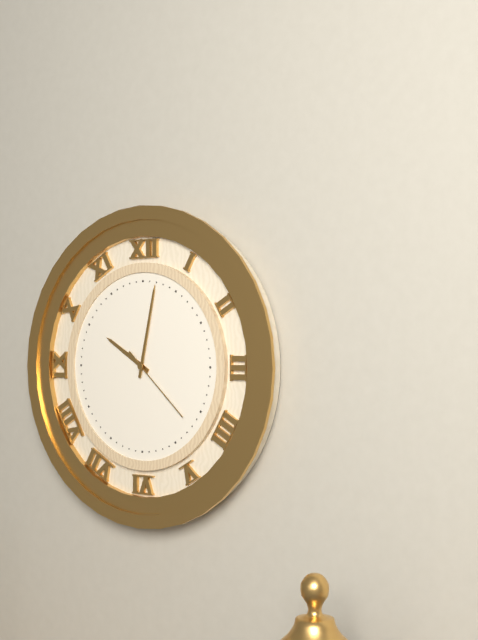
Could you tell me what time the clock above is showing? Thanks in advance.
10:02:22
